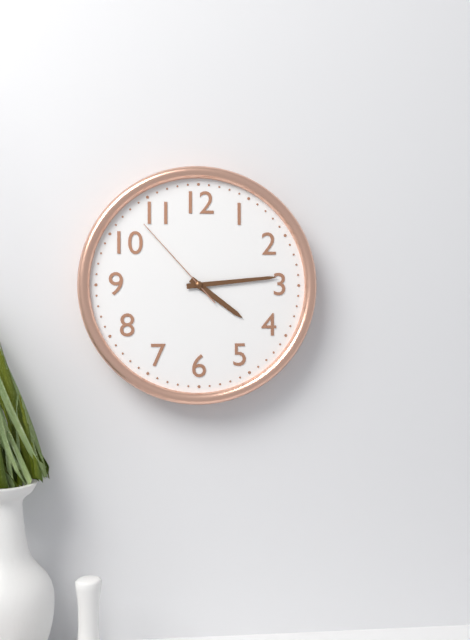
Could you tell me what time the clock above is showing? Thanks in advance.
4:14:53
